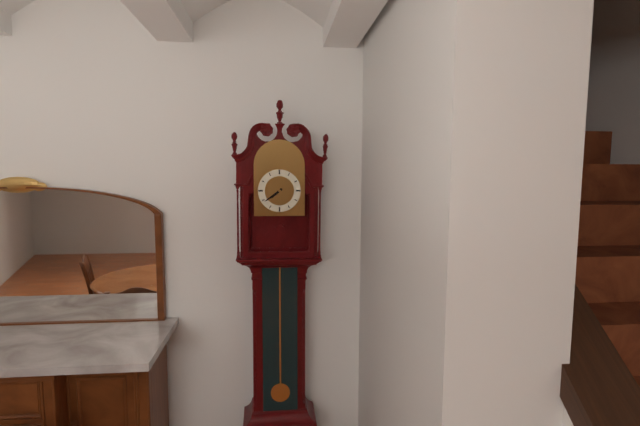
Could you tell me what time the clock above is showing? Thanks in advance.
7:39
